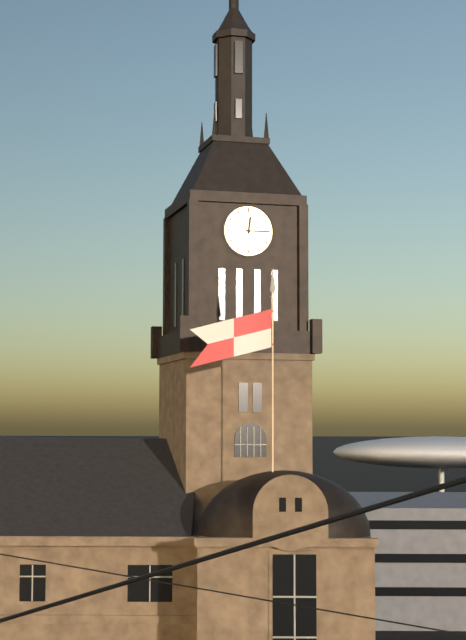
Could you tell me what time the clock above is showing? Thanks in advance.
12:15
